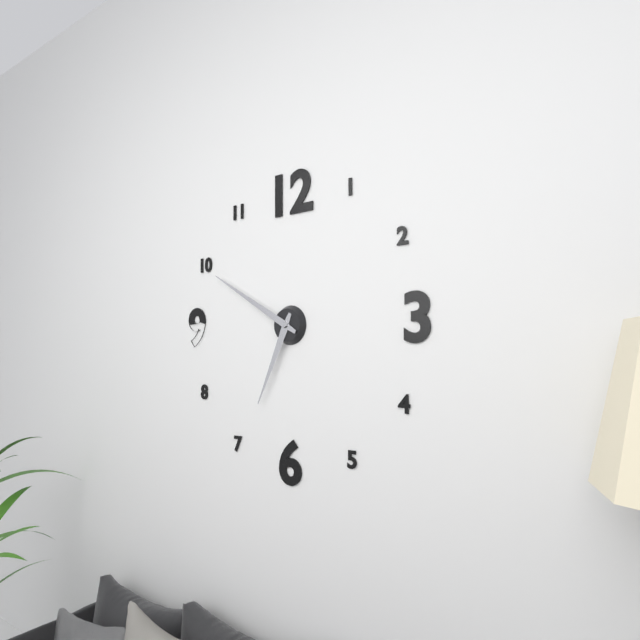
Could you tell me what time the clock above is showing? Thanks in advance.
6:50
